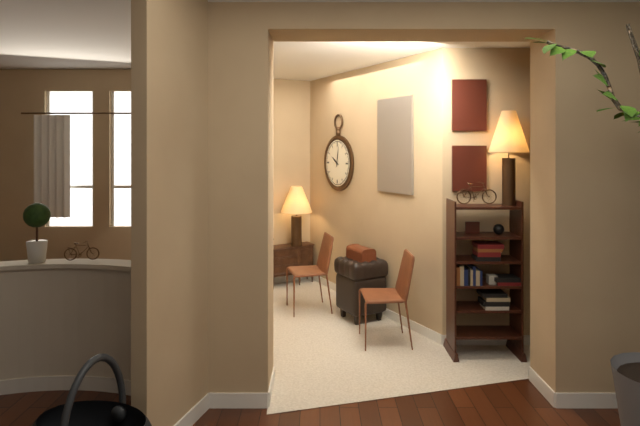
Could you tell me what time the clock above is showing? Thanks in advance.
10:02
